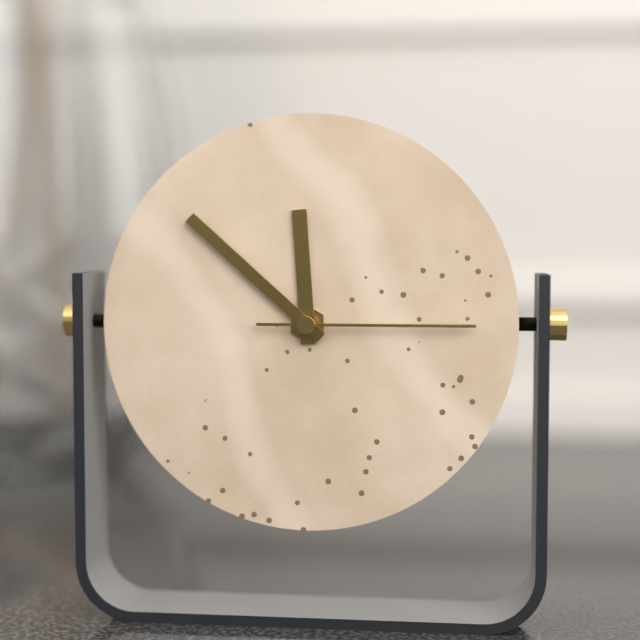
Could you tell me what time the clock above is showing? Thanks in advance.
11:52:15
